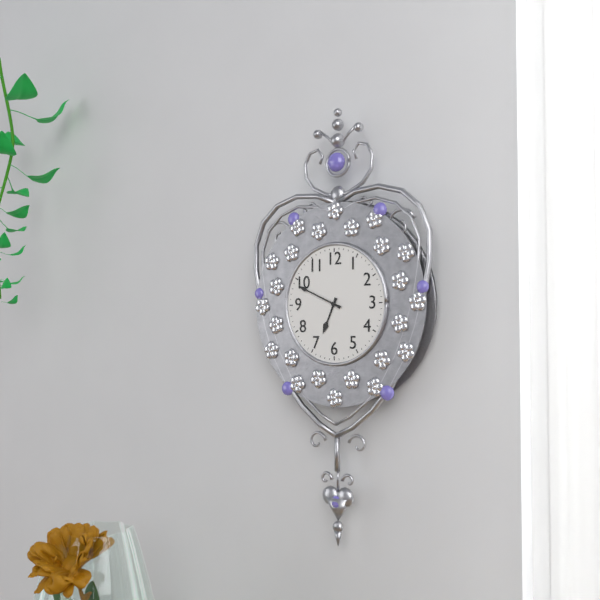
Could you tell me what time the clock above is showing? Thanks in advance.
6:49
